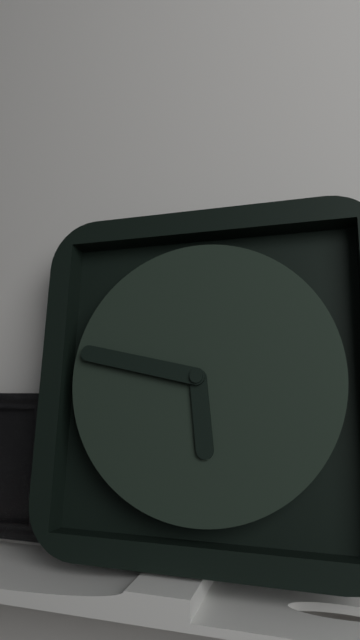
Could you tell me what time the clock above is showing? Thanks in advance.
5:47
